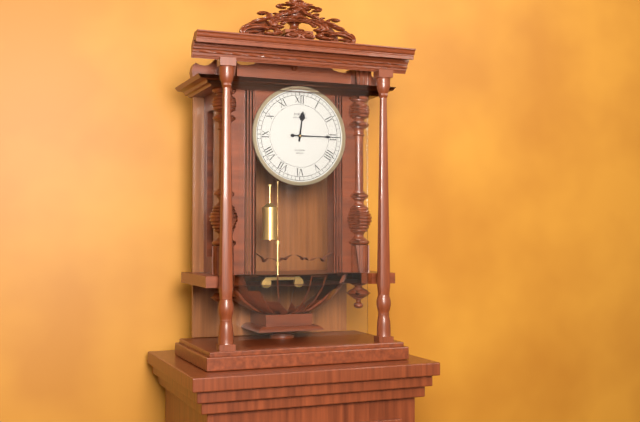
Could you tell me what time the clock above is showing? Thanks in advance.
12:15
